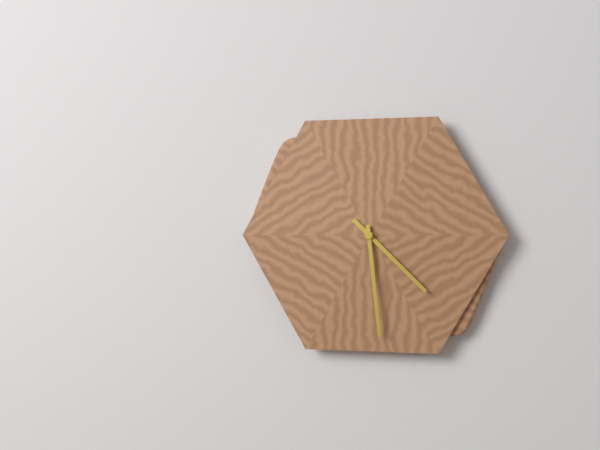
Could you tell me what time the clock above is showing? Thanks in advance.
4:29
